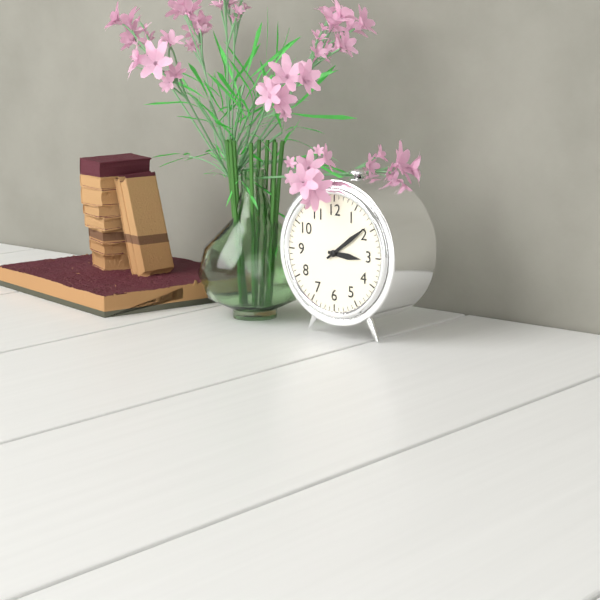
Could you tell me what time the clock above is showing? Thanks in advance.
3:09
